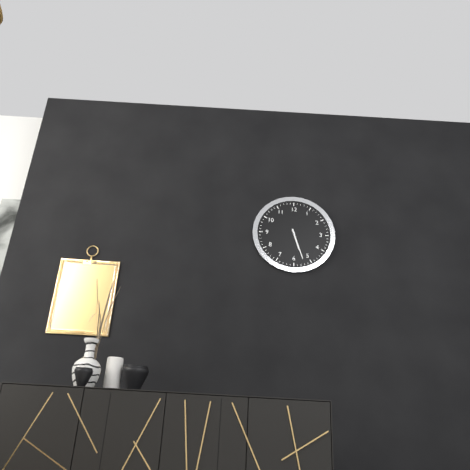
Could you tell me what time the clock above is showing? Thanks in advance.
5:27
